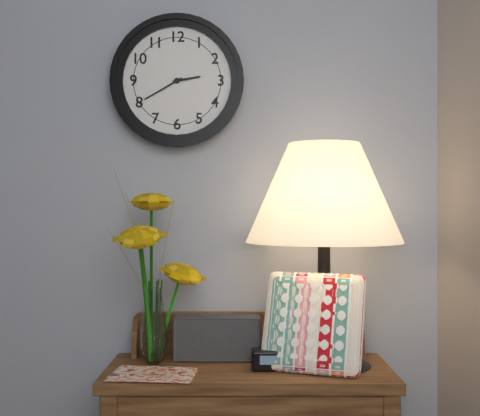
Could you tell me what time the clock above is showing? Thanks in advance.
2:40
